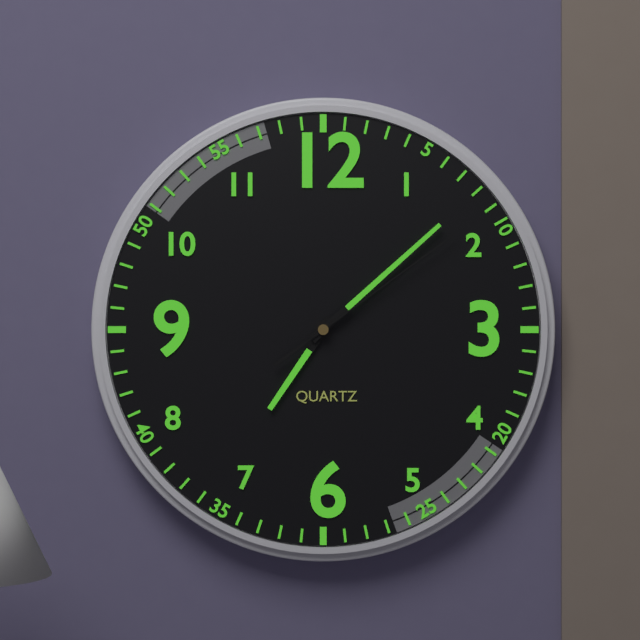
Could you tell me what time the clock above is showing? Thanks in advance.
7:08:09
